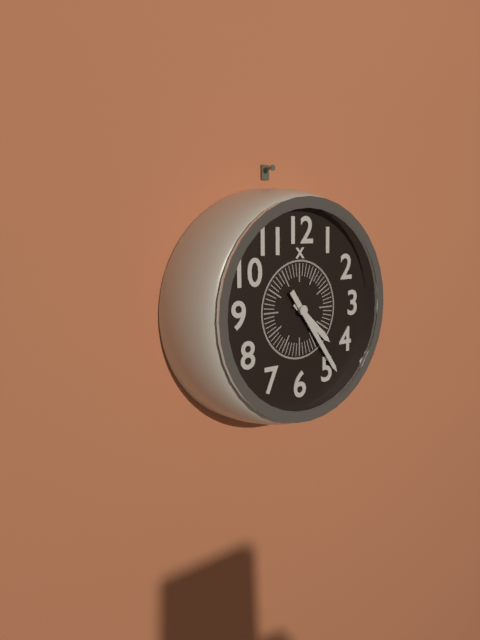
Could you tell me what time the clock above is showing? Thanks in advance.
4:24
